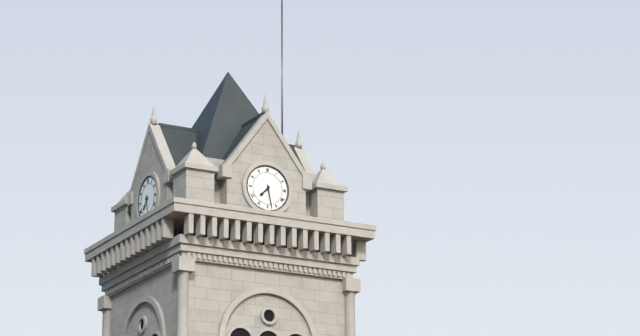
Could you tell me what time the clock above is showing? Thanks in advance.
7:28
